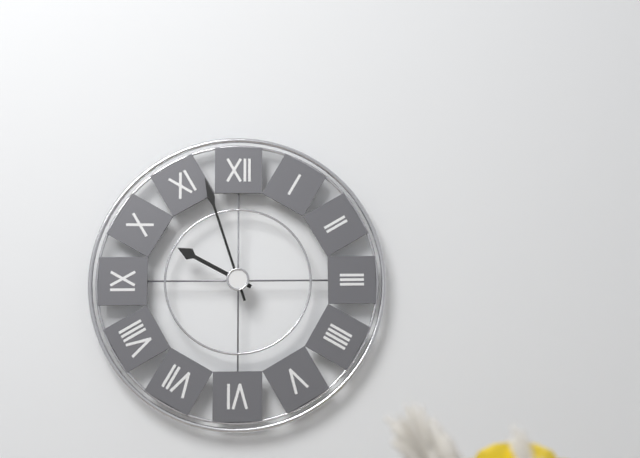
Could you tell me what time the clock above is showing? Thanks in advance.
9:57
